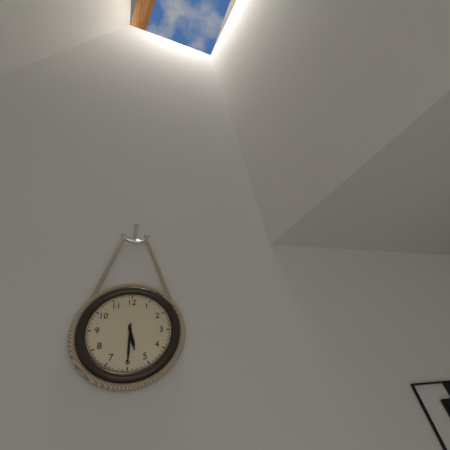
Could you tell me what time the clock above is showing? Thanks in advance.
5:30
